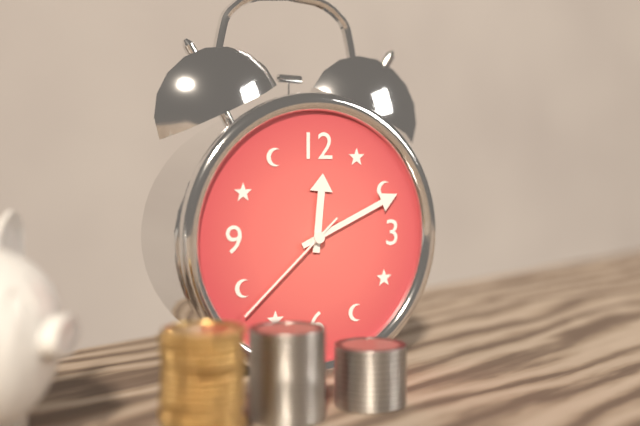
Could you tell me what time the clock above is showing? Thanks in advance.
12:11:38
